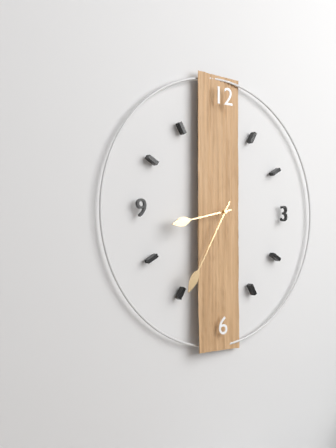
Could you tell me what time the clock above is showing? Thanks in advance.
8:35
